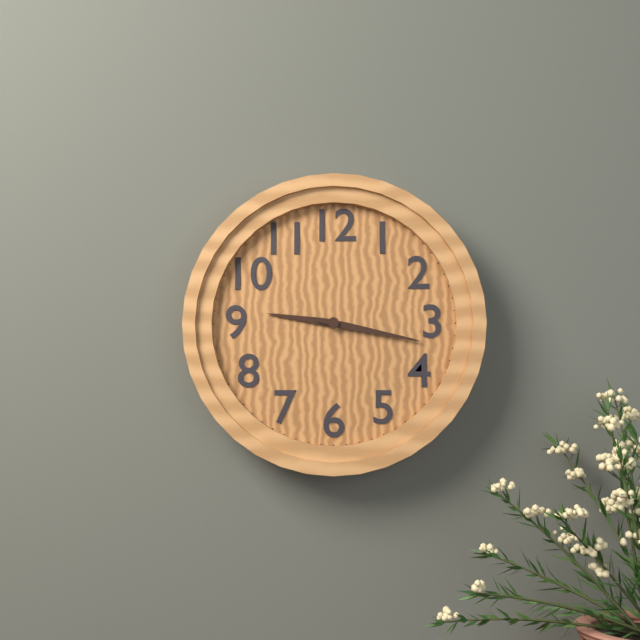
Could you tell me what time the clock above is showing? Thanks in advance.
9:17
